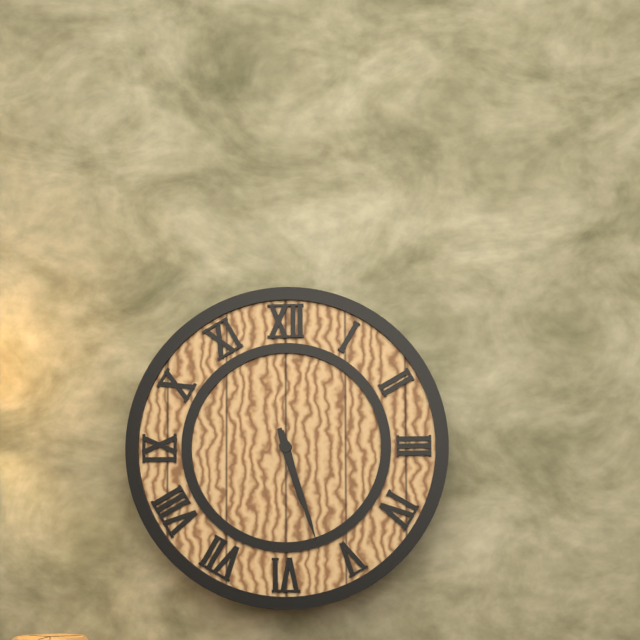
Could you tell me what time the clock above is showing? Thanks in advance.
5:27
